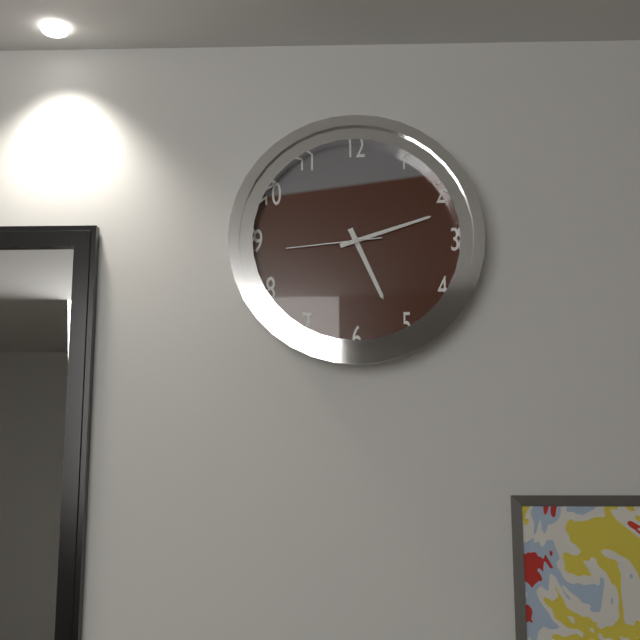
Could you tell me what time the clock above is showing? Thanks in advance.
5:12:44
